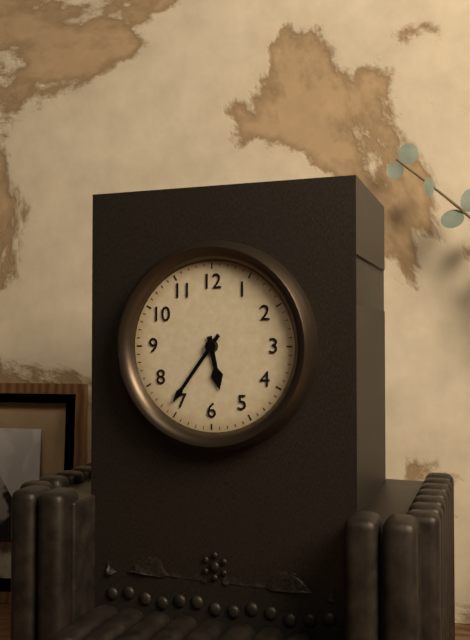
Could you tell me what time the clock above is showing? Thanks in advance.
5:36
